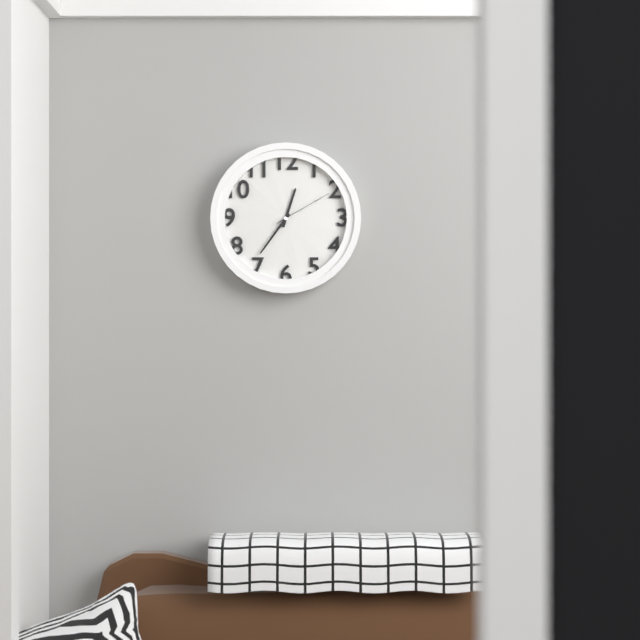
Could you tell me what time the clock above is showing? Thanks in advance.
12:36:10
